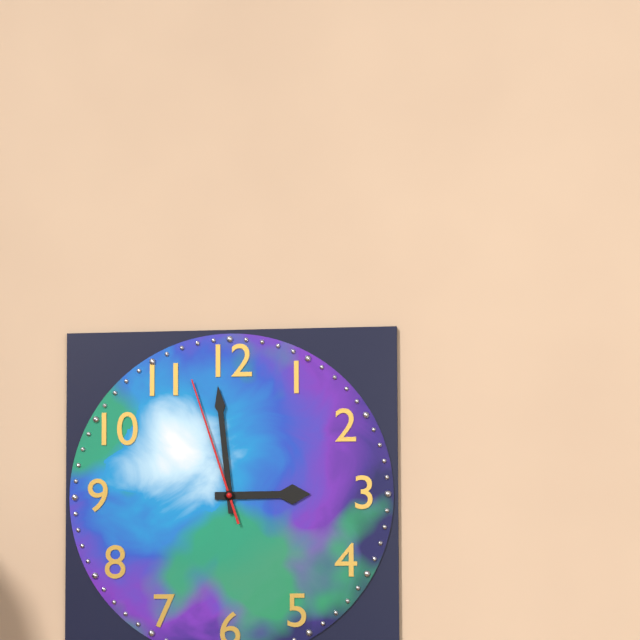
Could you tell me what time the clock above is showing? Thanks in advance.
2:59:57
